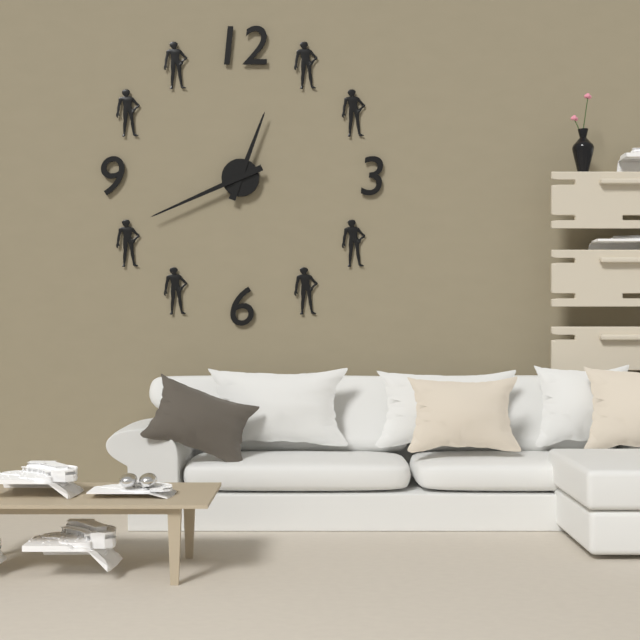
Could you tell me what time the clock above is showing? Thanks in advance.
12:41
